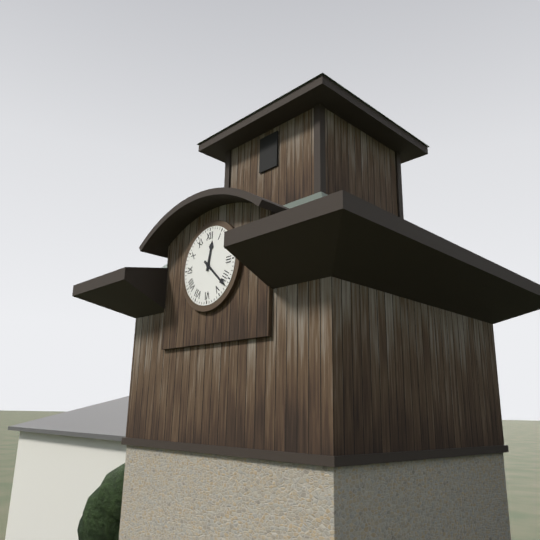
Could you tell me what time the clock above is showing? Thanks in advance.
12:22
